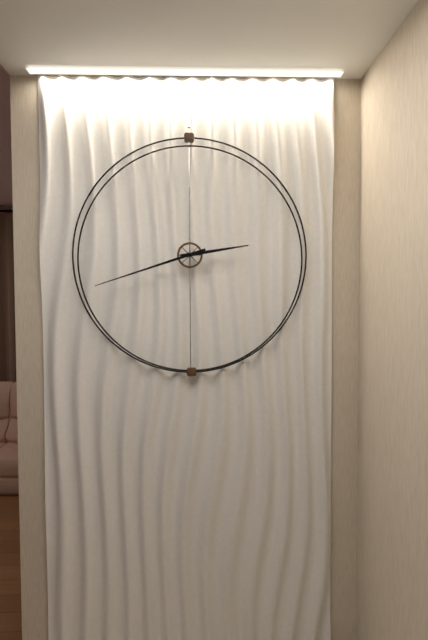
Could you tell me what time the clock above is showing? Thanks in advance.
2:42
